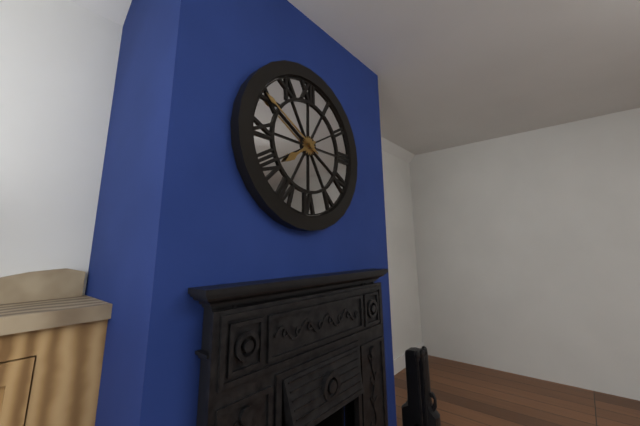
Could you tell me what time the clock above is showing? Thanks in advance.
7:50
